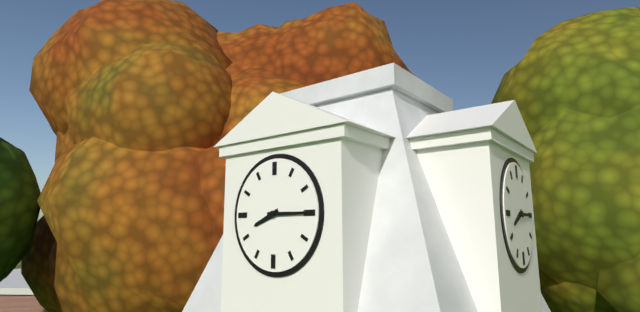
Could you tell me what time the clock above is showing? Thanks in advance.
8:15
